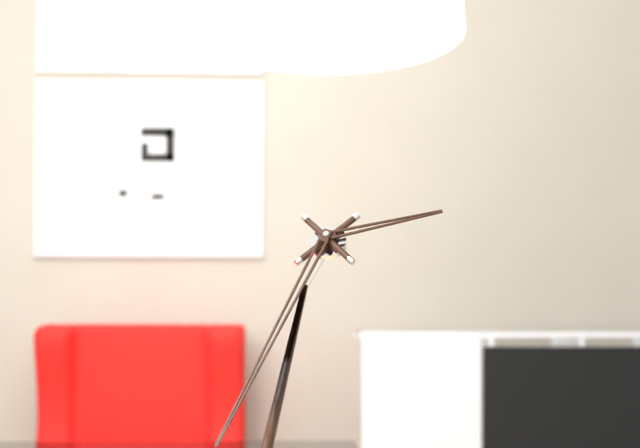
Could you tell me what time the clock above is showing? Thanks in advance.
2:33
